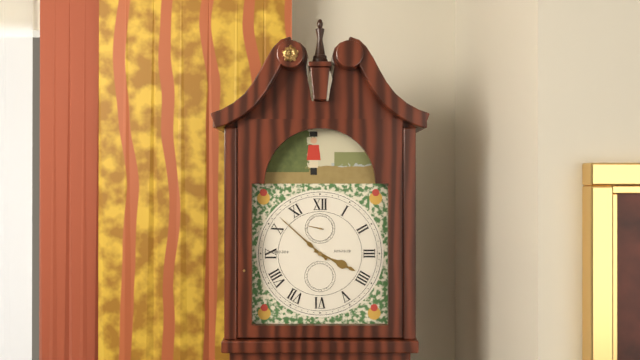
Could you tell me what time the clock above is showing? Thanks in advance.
3:52
